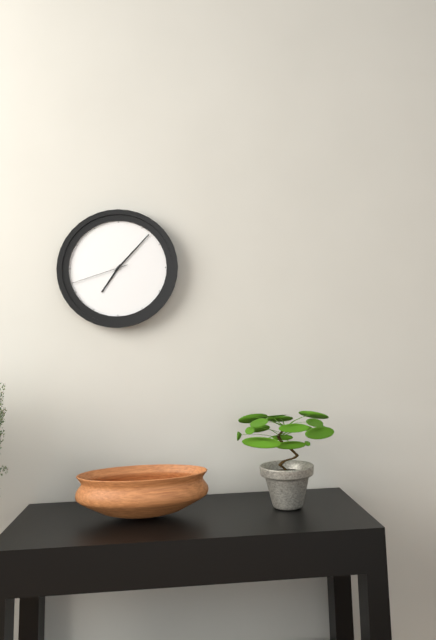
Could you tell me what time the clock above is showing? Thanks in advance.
7:07:42
